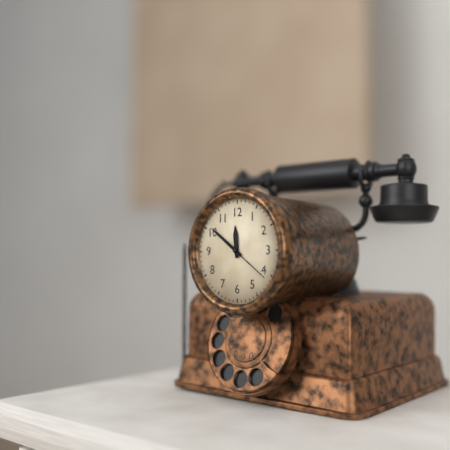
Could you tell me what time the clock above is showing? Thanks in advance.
11:51
